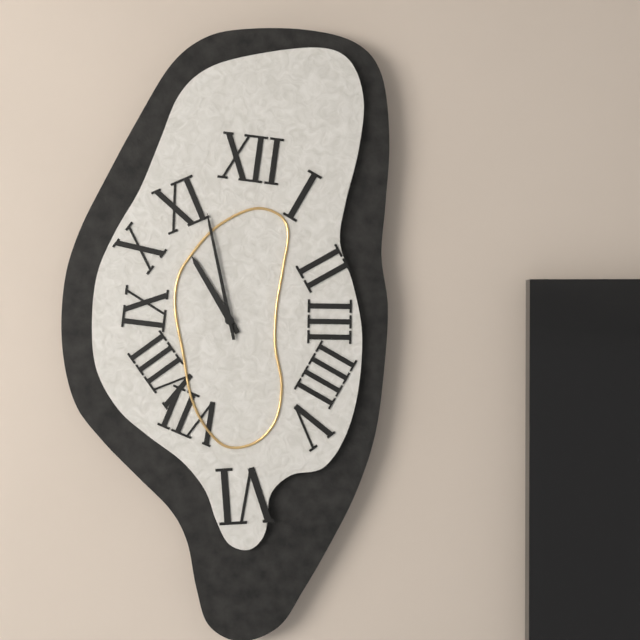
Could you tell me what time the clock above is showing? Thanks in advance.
10:58
